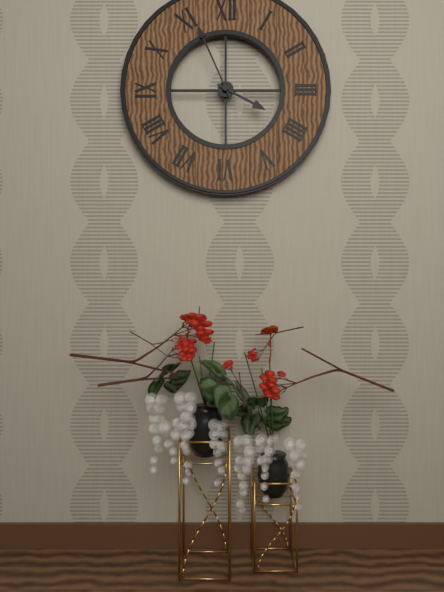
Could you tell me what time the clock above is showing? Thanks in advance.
3:56
